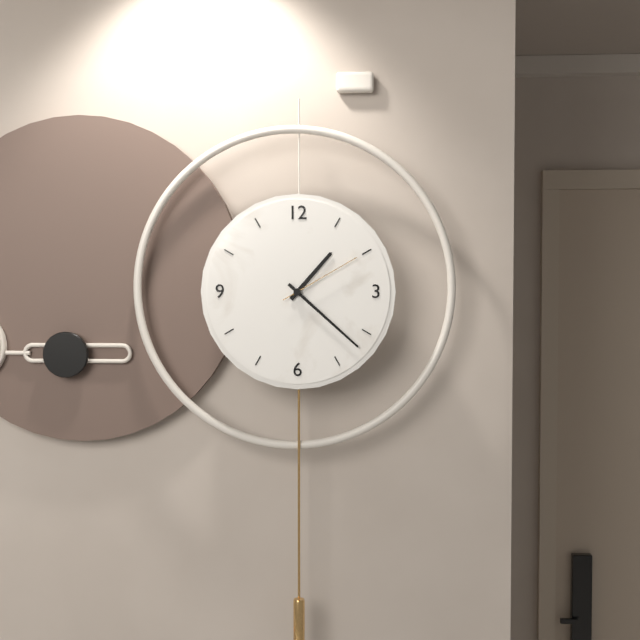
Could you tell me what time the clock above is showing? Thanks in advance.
1:22:10
